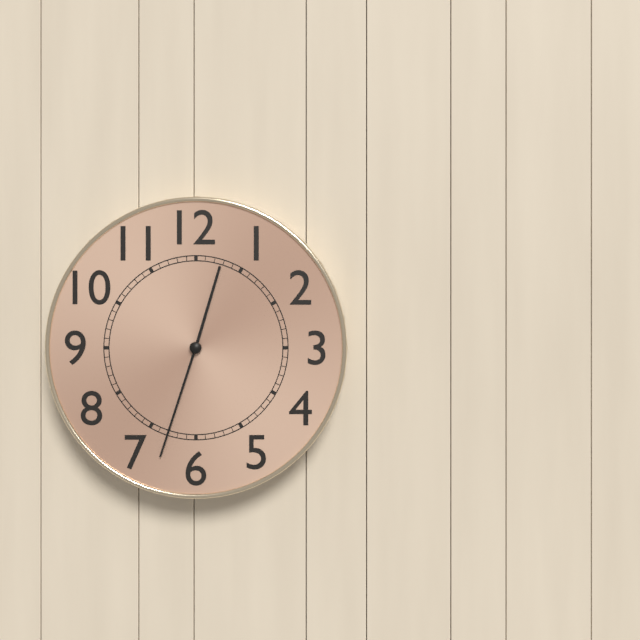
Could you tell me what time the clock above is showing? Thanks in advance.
12:33
